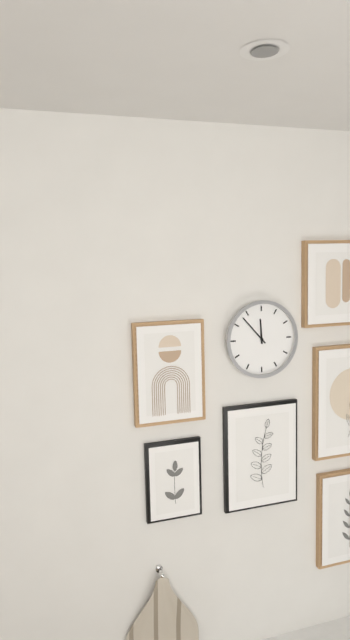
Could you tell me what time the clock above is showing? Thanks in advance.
11:53
